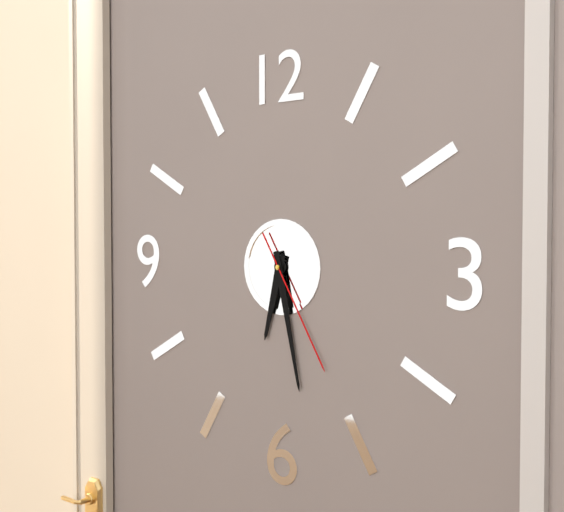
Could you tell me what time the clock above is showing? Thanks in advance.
6:28:25
